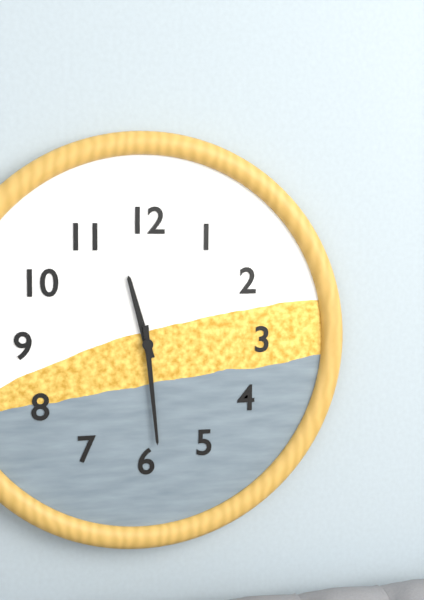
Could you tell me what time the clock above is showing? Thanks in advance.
11:29
